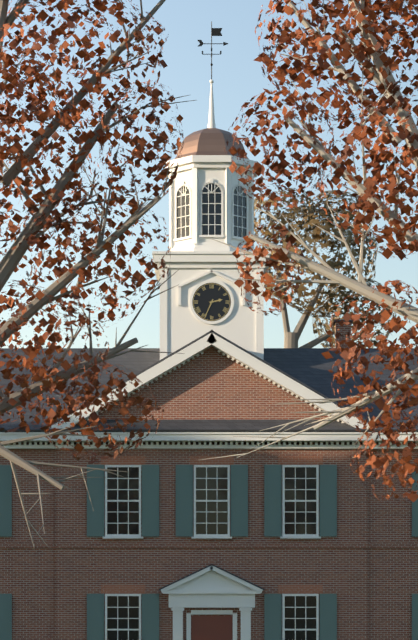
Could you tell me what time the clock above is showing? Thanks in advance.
2:34
